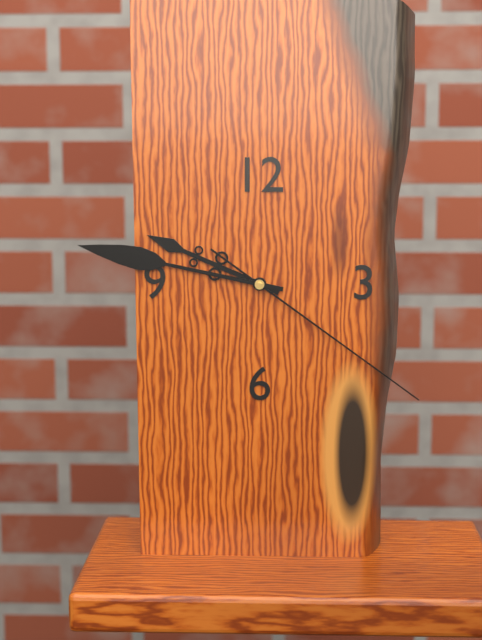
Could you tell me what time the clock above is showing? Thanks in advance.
9:47:21
